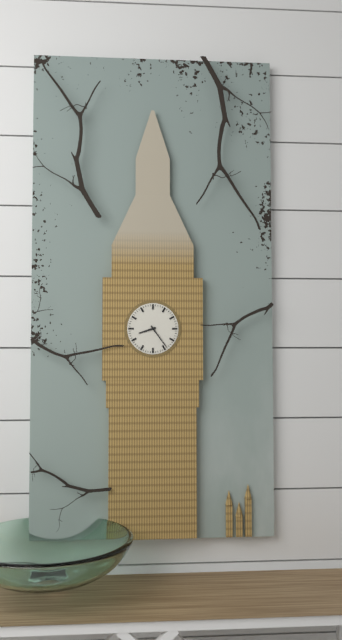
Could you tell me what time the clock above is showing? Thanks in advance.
8:24
